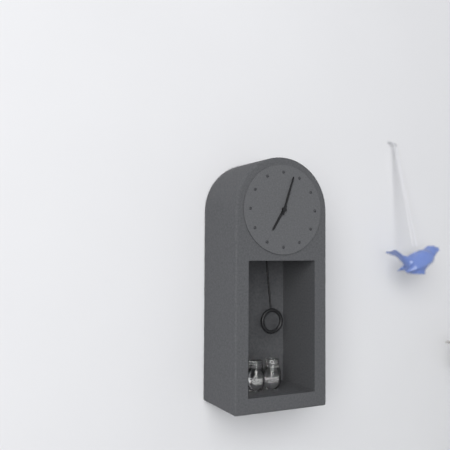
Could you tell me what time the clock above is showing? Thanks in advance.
7:03
